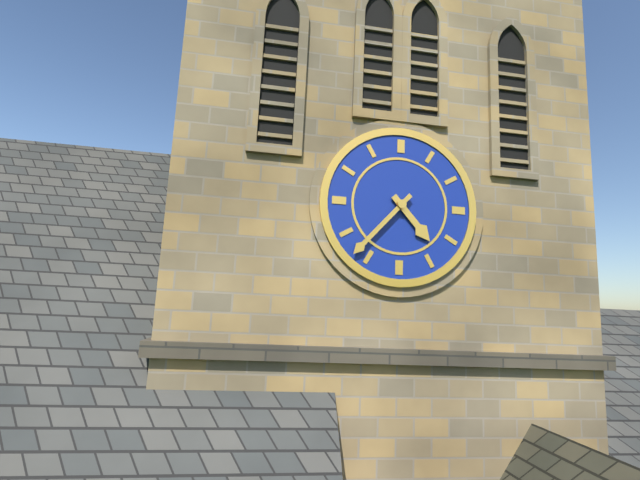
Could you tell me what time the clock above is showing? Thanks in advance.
4:37
